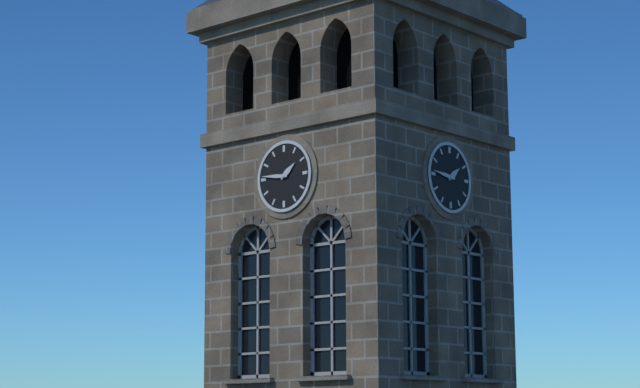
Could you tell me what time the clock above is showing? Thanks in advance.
1:46
